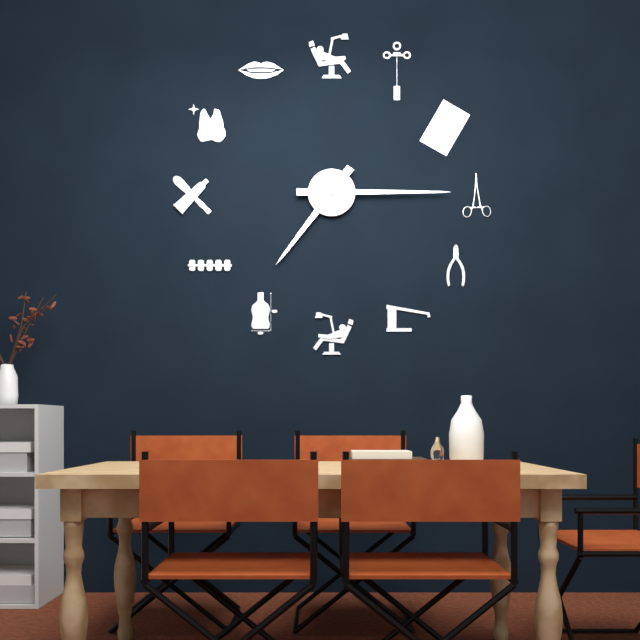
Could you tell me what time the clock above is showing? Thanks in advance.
7:15
